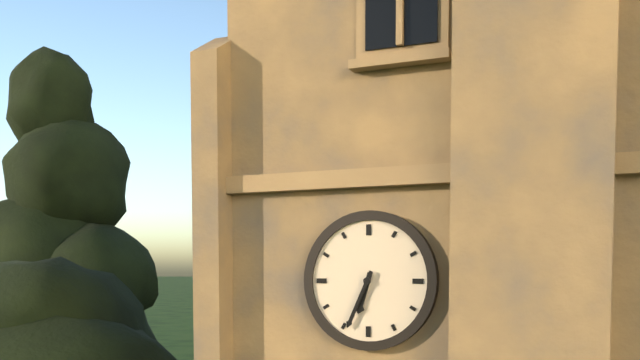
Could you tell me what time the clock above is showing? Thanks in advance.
6:34
